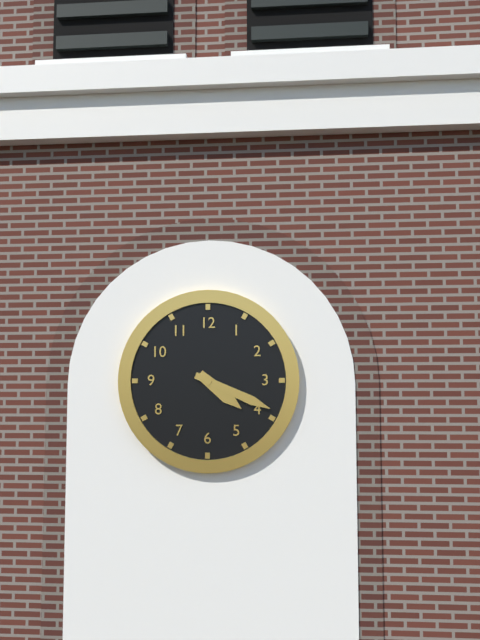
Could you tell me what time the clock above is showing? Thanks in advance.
4:19
